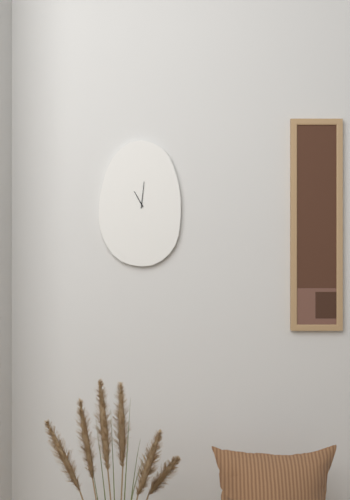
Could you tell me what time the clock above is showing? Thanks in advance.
11:01
